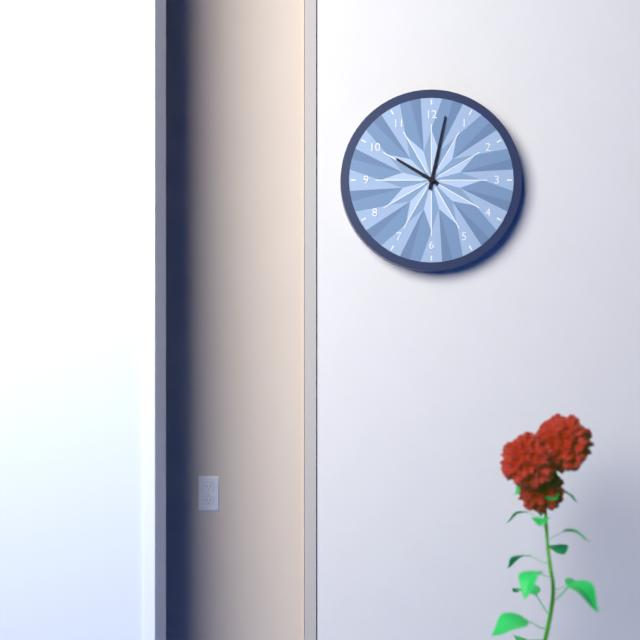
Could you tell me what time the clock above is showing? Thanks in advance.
10:02
